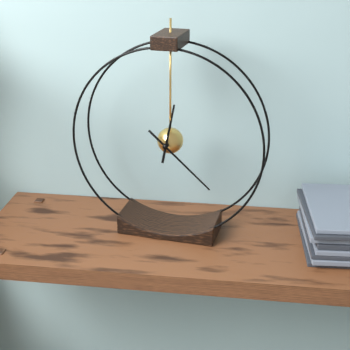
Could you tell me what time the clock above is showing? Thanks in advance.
12:22
